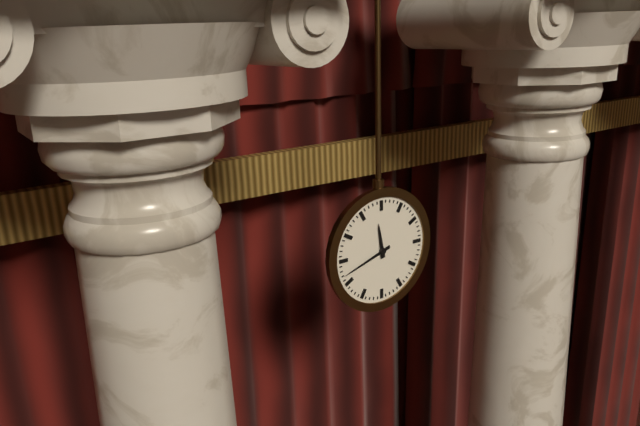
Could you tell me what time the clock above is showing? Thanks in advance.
11:42
